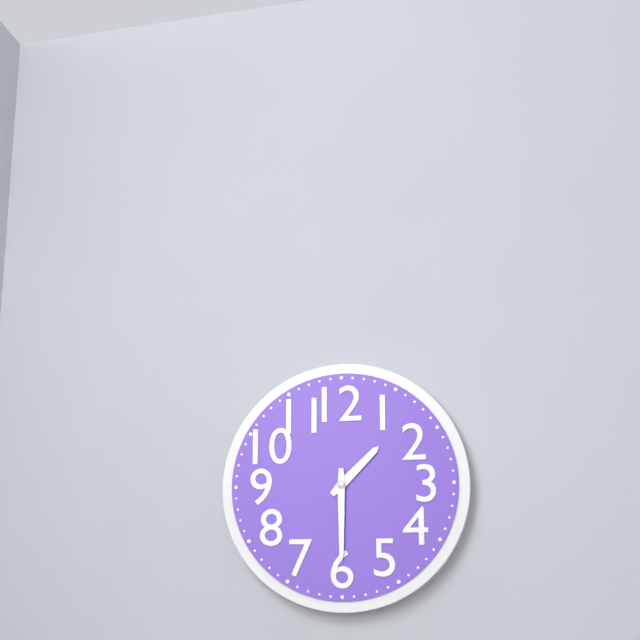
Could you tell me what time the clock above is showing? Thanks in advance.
1:30
